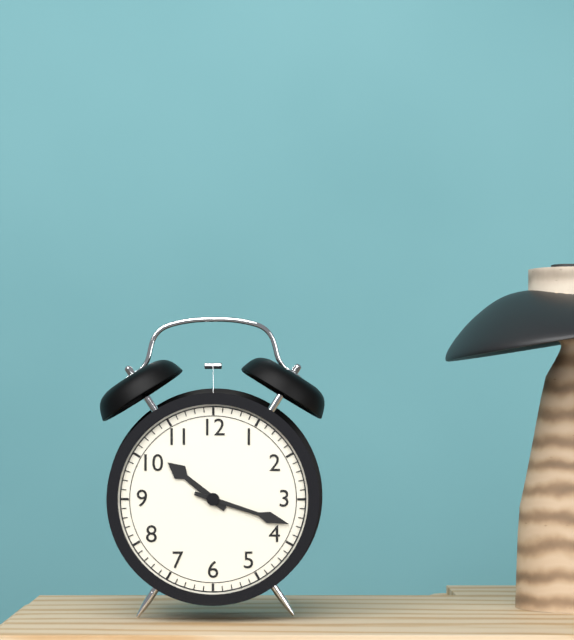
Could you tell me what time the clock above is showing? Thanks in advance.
10:18
